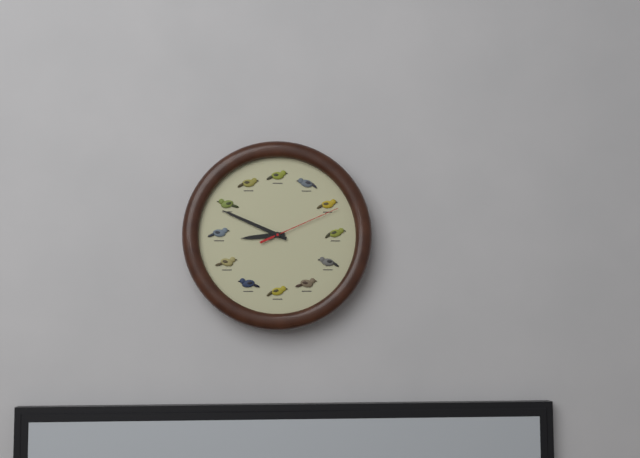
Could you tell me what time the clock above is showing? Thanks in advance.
8:49:11
